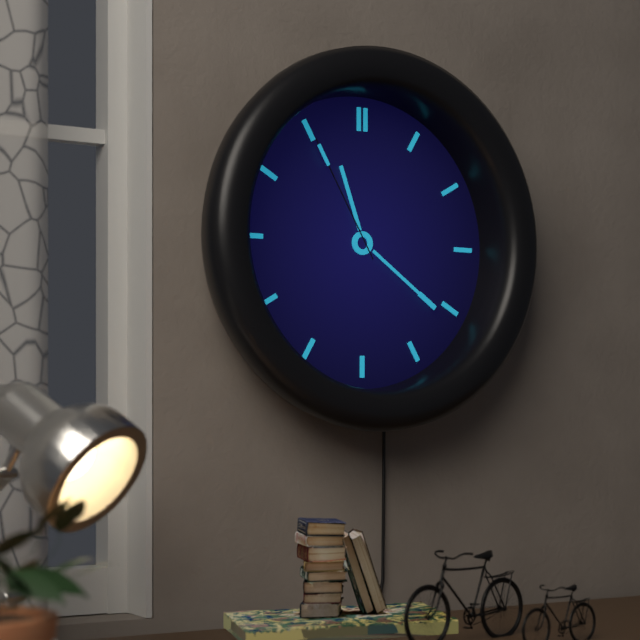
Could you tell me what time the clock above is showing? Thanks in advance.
11:21:55
